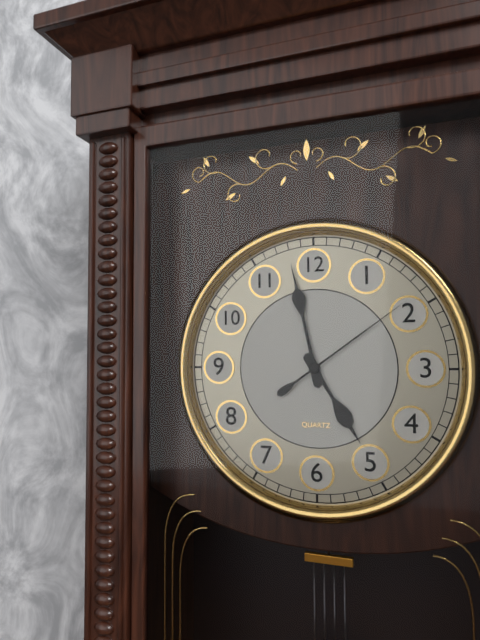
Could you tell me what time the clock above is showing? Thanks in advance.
4:58:09
